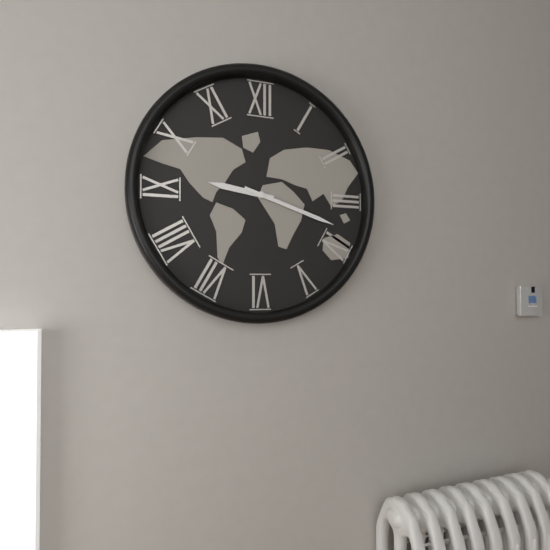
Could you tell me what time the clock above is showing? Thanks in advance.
9:18
